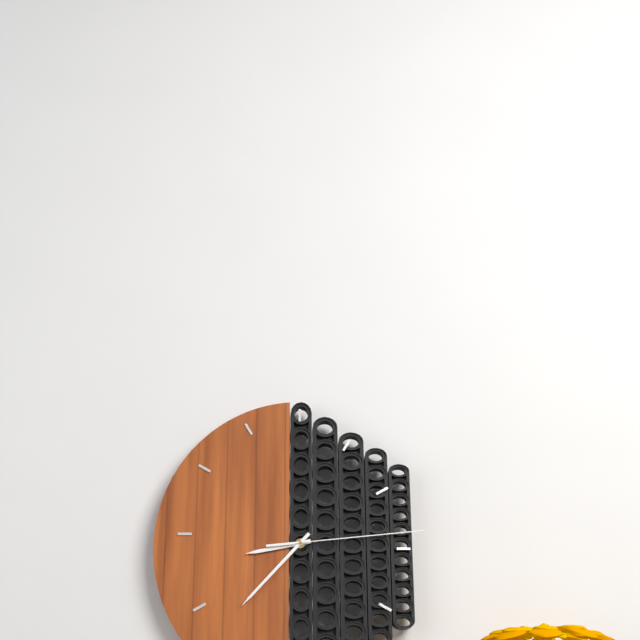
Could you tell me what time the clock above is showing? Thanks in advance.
8:37:14
